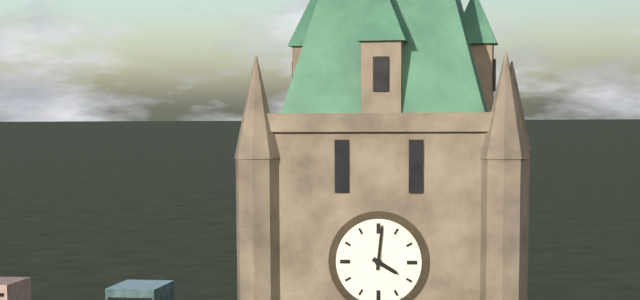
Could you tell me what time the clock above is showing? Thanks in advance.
4:01
